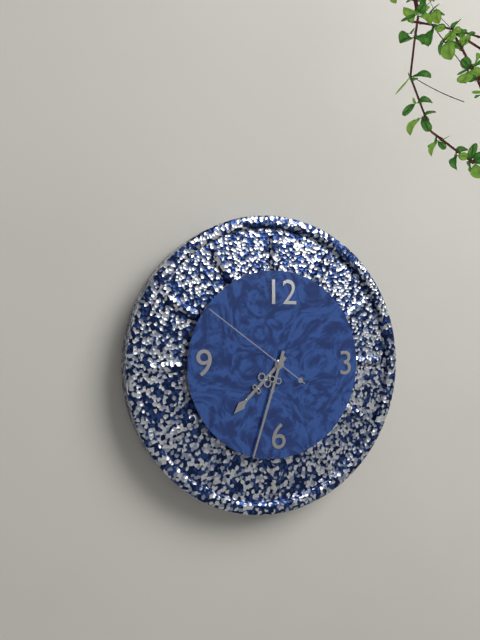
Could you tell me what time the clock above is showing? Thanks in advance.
7:33:51
